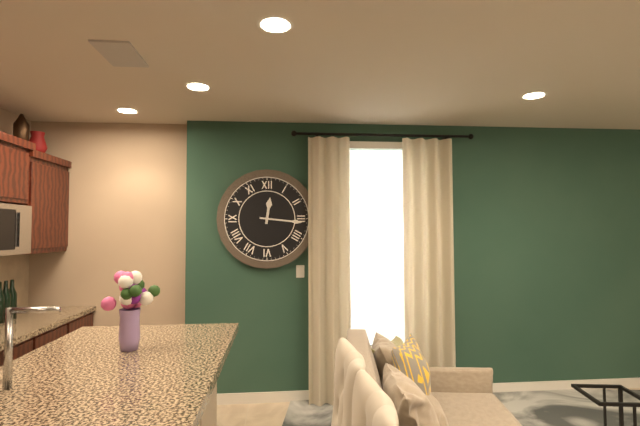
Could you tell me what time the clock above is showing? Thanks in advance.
12:16
